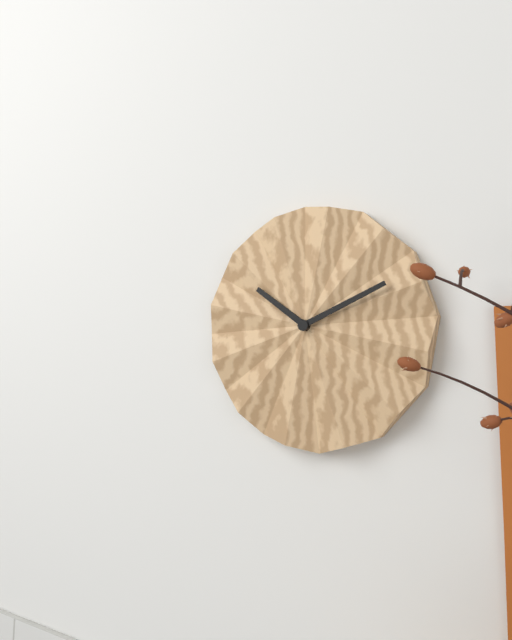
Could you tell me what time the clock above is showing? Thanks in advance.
10:11
